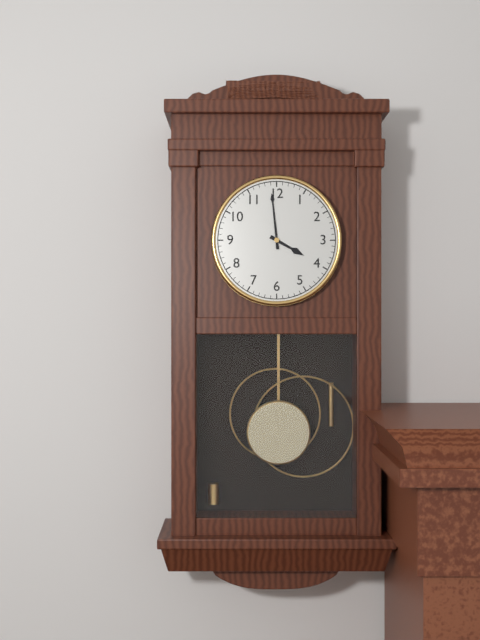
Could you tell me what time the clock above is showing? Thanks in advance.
3:59
